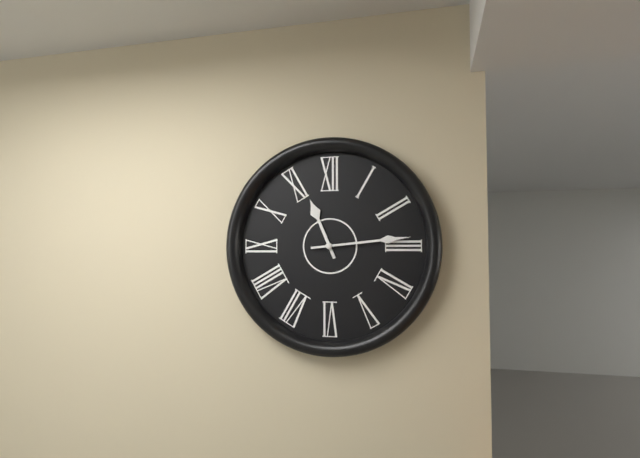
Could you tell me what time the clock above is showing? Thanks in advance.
11:14
